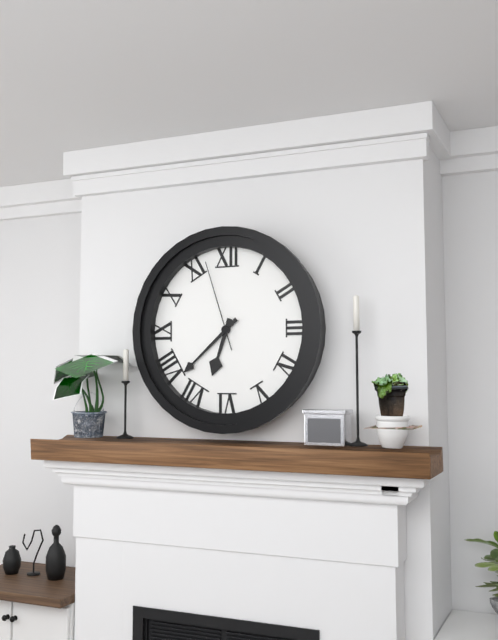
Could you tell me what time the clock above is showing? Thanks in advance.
6:38:57
